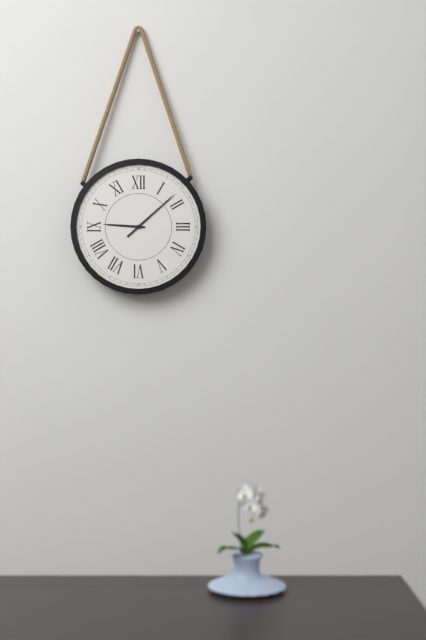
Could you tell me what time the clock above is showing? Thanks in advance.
9:08
